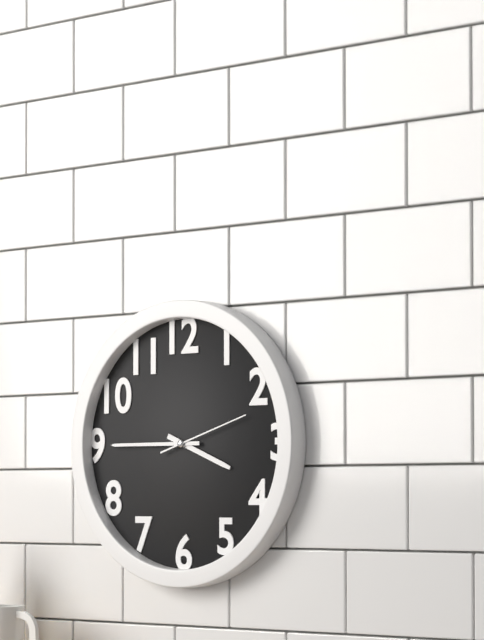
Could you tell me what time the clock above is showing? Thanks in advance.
3:45:12
